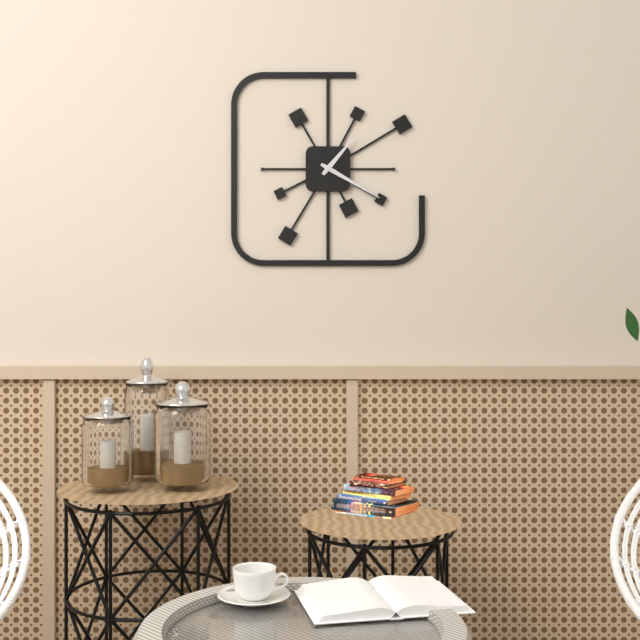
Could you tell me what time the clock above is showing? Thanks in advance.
1:20
